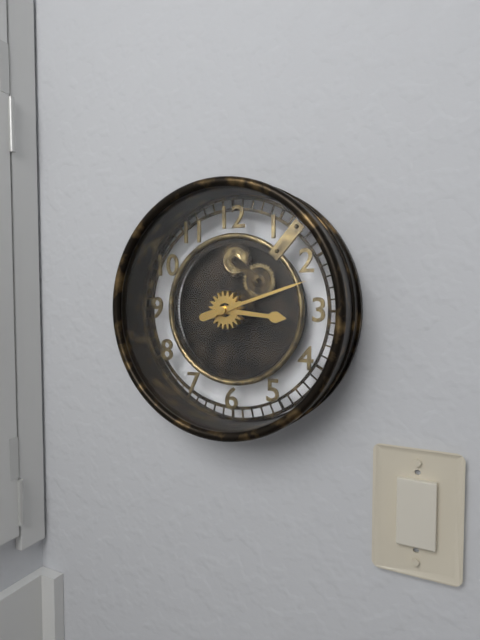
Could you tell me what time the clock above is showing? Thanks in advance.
3:12
